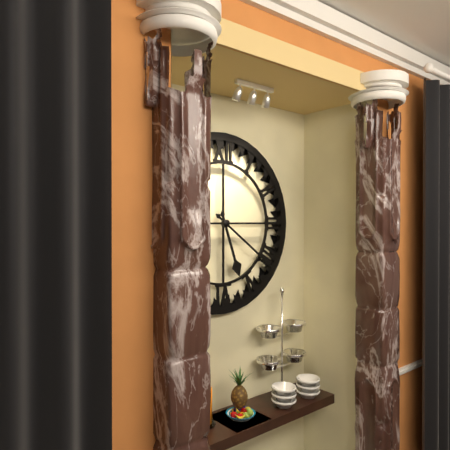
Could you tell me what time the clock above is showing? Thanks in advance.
5:21
